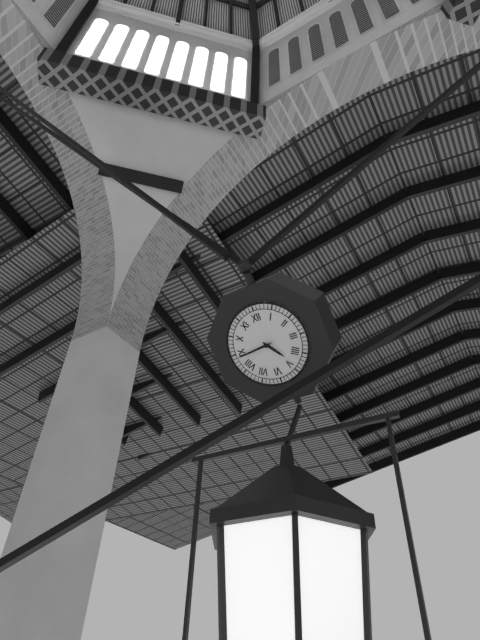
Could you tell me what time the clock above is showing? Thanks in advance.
4:44
